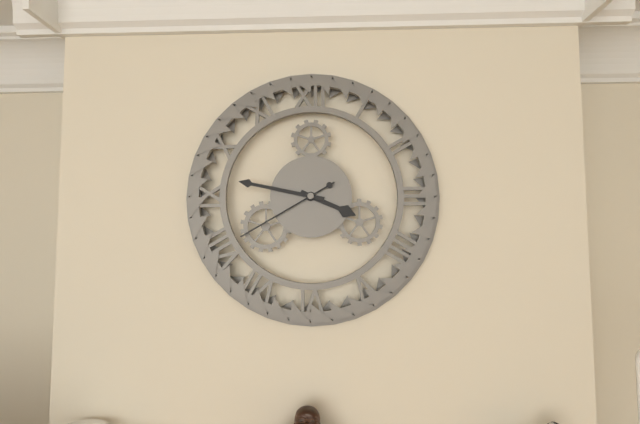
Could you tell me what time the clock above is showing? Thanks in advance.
3:47:40
